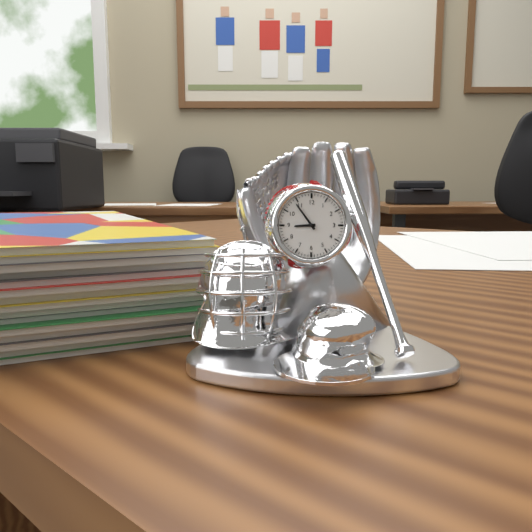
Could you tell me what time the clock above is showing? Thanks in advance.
8:54
